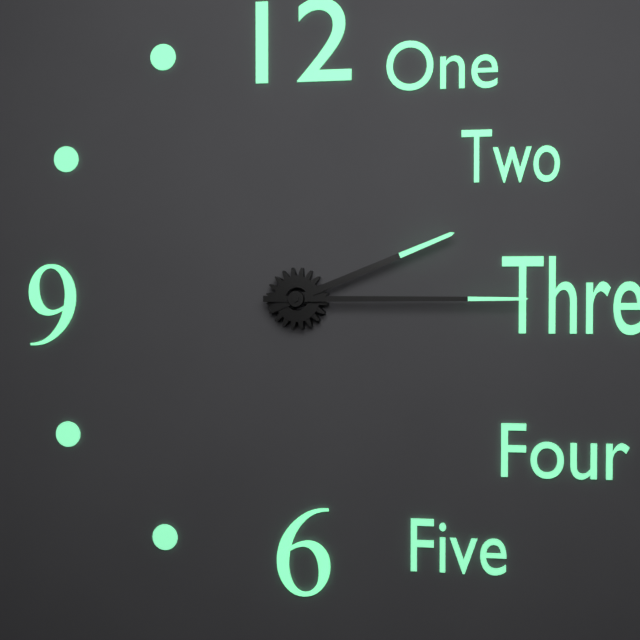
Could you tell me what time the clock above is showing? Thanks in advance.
2:15
